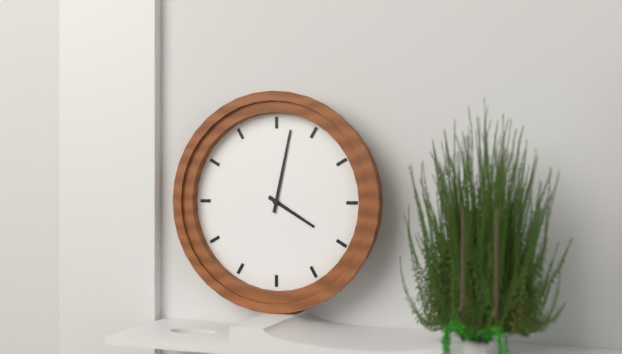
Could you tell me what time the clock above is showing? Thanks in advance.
4:02
